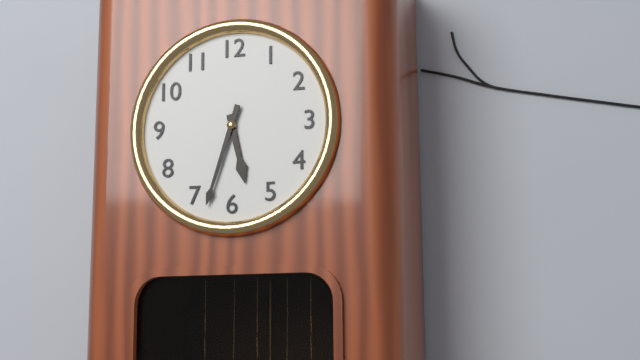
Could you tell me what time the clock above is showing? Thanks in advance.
5:33
